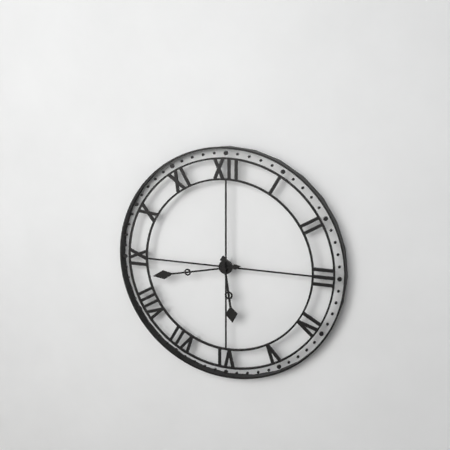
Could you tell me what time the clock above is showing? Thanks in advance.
5:43
